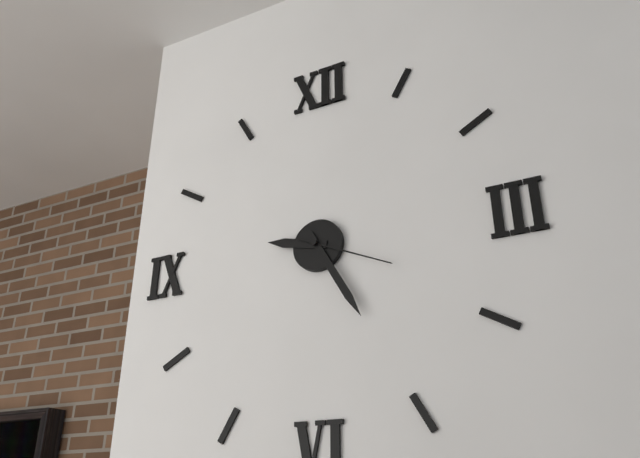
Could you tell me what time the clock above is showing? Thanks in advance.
9:25:19
